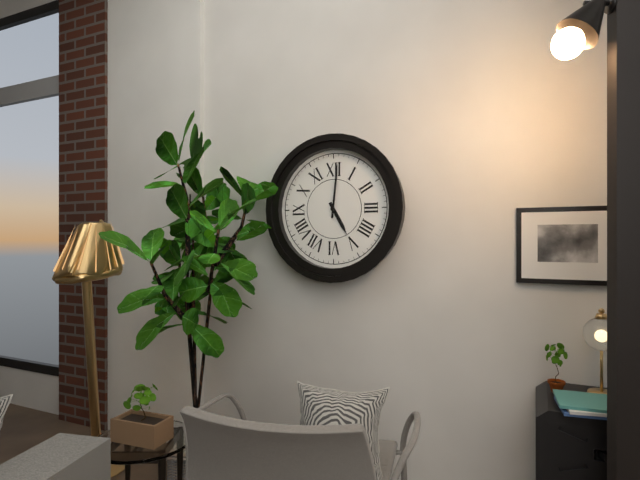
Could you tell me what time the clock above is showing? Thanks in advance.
5:01
